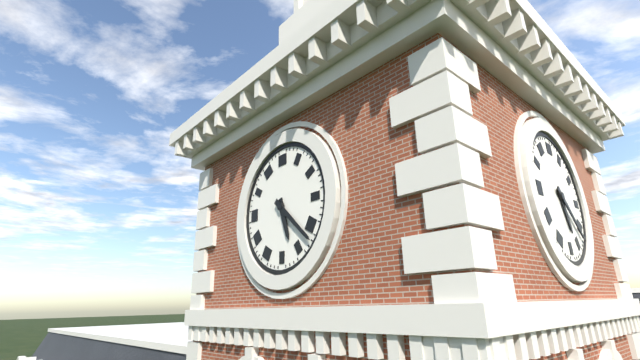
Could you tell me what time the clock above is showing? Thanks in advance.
5:22
